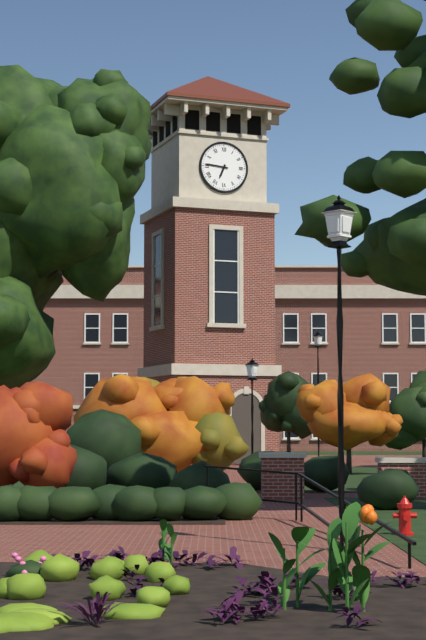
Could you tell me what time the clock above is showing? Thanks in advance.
6:46
